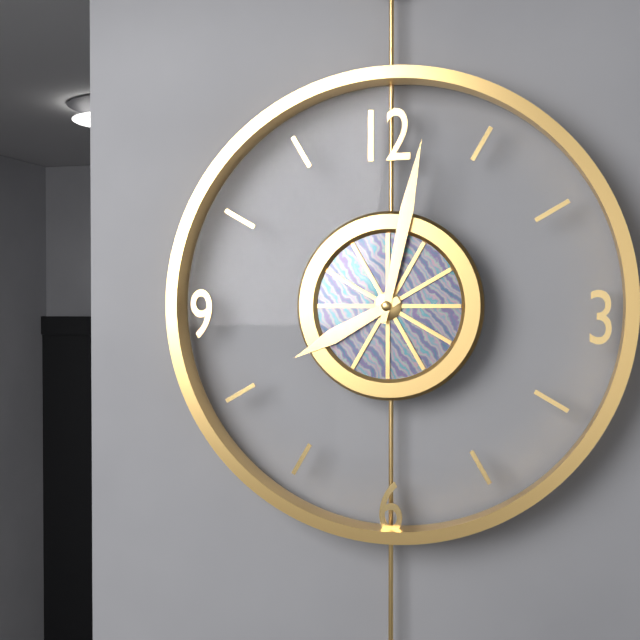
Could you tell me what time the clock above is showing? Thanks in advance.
8:02
